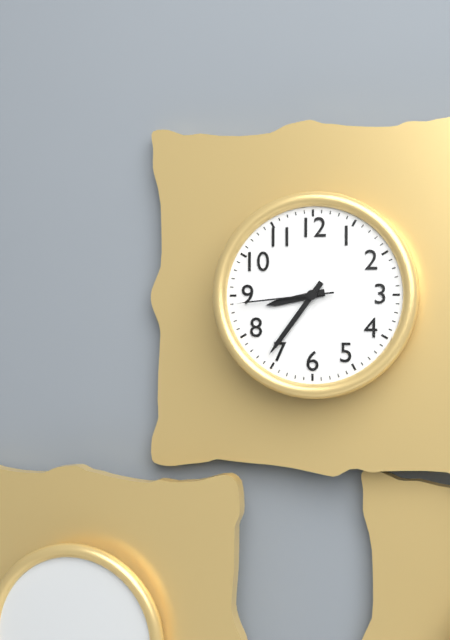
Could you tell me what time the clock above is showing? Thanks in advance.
8:36:44
